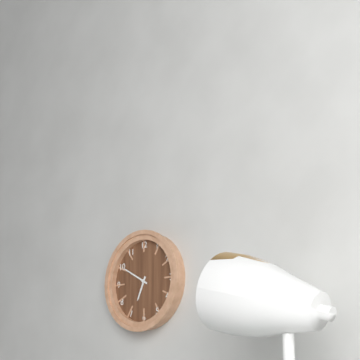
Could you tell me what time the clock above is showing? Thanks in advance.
6:50
